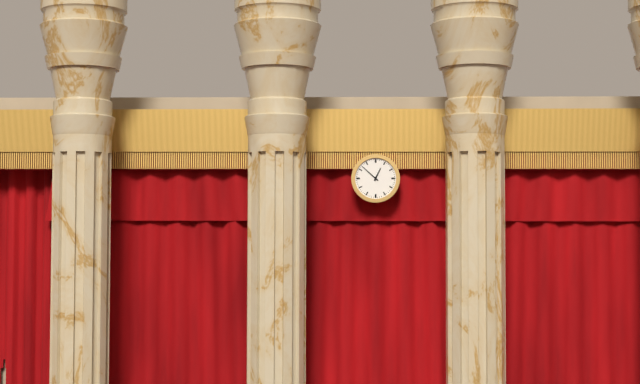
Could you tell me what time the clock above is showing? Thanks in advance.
12:52
